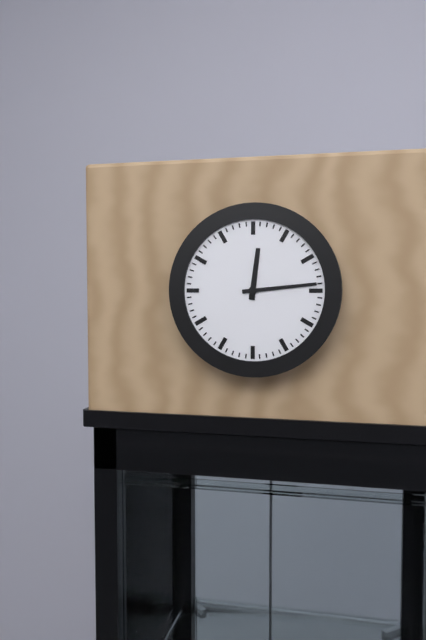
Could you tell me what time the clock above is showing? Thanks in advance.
12:14
